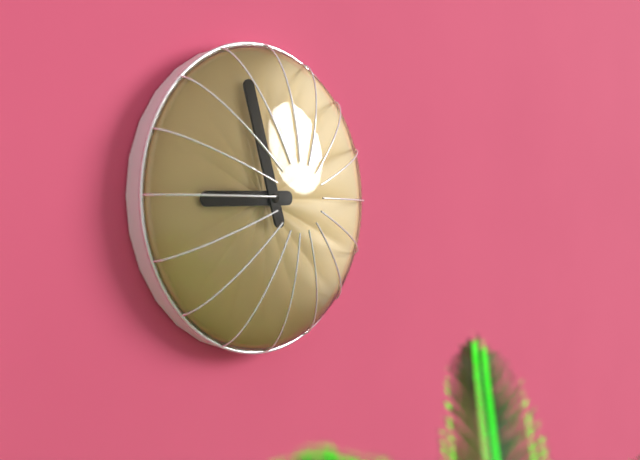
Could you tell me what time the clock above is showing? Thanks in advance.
8:57
